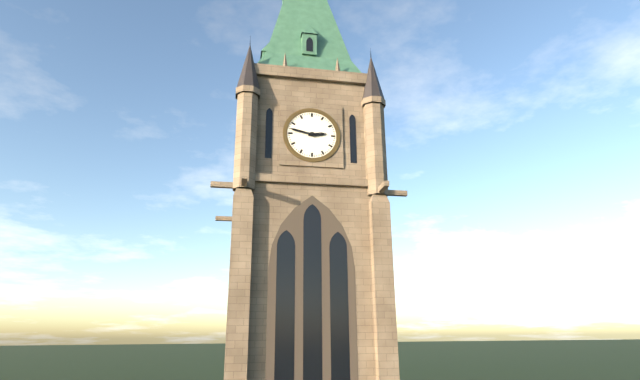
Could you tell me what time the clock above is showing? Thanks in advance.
2:47
